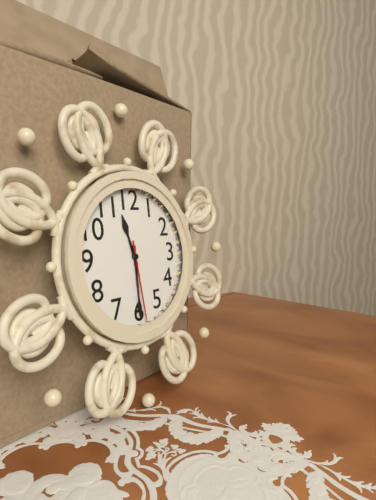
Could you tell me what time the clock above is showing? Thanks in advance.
11:30:29
